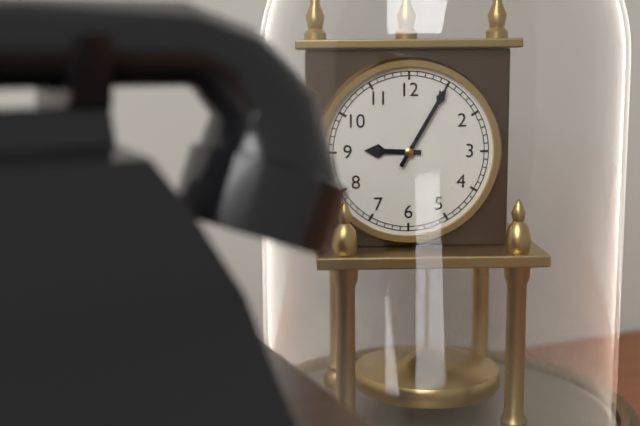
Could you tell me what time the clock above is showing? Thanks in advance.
9:05
